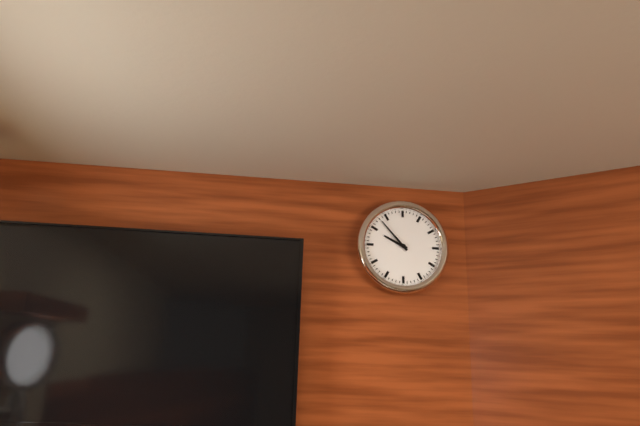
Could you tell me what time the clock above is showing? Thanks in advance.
9:53
